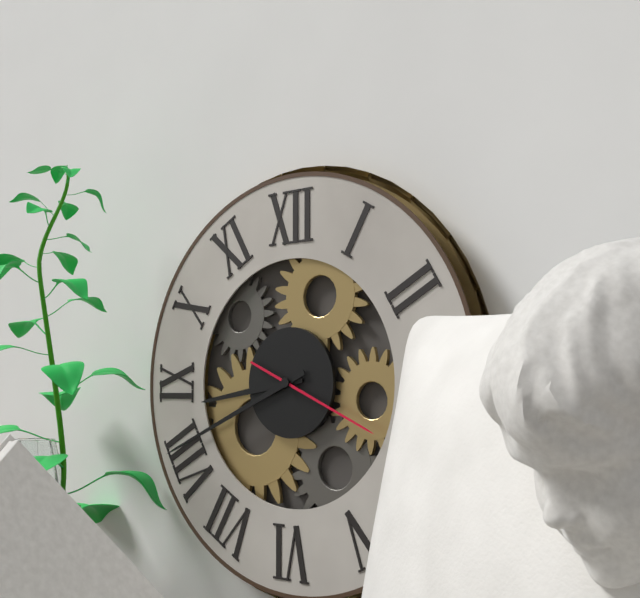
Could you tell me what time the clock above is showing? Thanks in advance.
8:41:19
